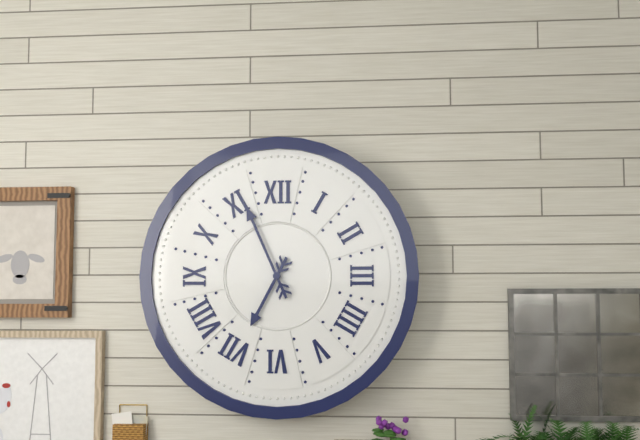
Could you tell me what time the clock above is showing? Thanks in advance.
6:56
